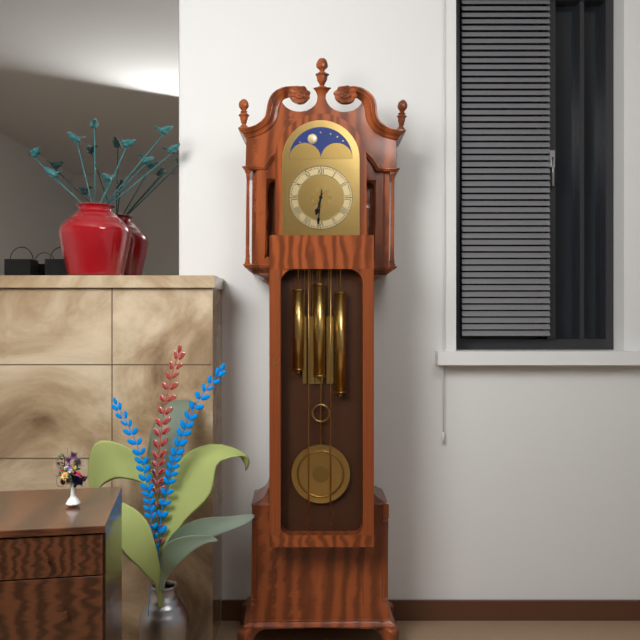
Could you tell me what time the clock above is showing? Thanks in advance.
6:31
